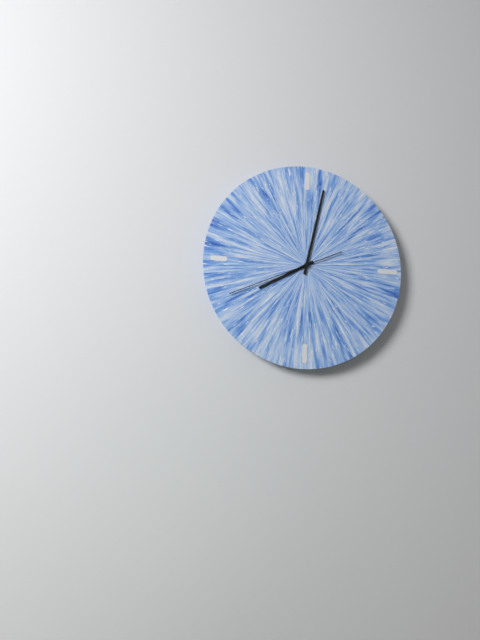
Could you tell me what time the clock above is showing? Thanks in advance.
8:02:41
